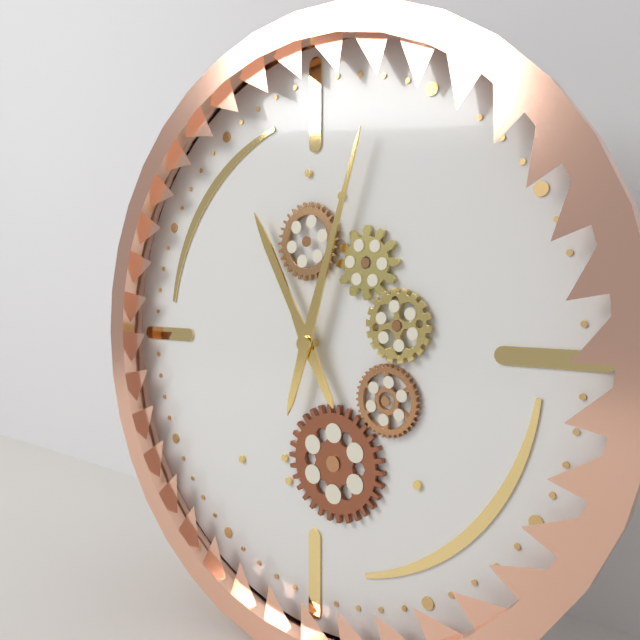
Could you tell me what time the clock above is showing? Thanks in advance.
11:03
